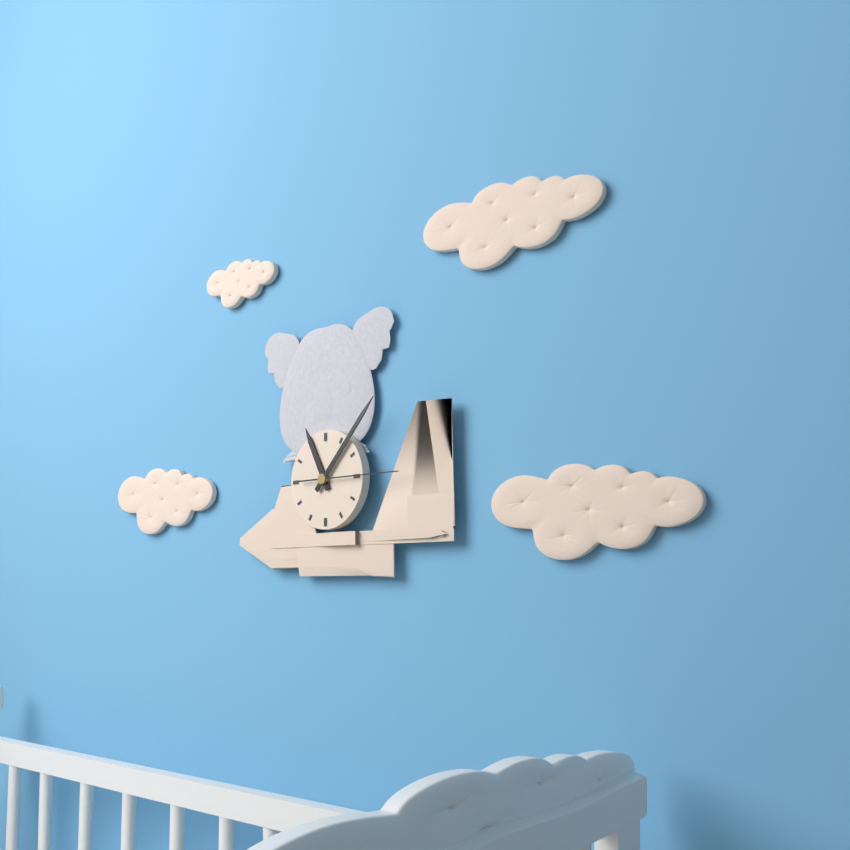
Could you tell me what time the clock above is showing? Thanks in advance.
11:07:15
